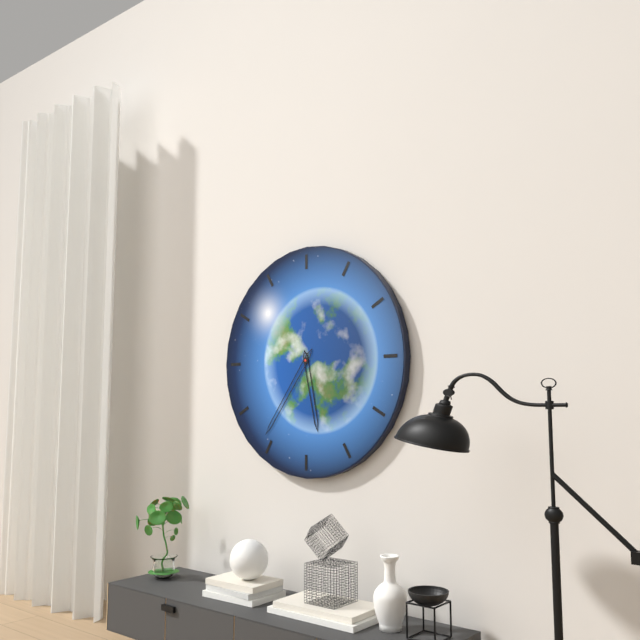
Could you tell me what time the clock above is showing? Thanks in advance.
5:36
